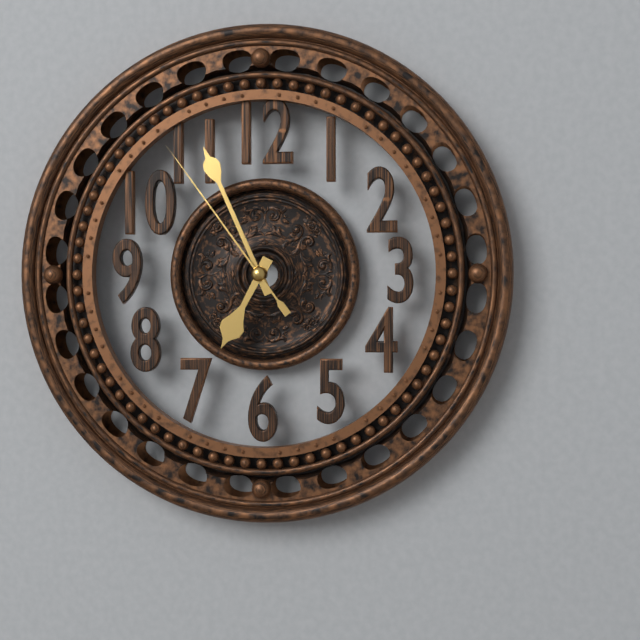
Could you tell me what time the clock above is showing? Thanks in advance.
6:56:54
